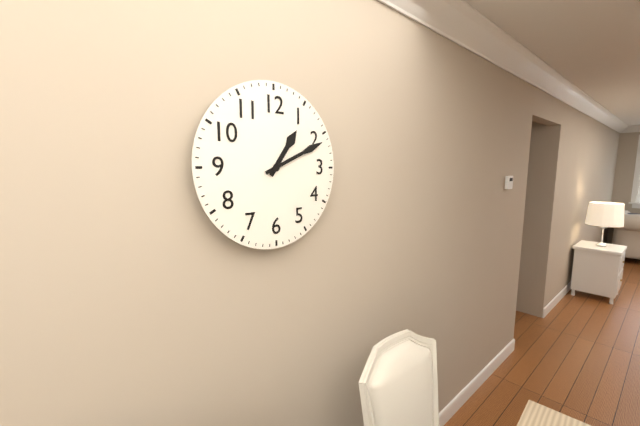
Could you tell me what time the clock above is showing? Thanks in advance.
1:11
